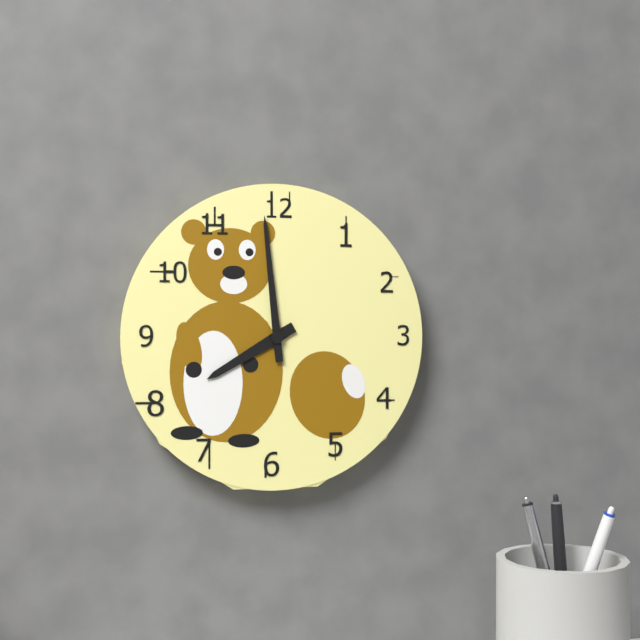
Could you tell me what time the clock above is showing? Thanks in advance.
7:59
